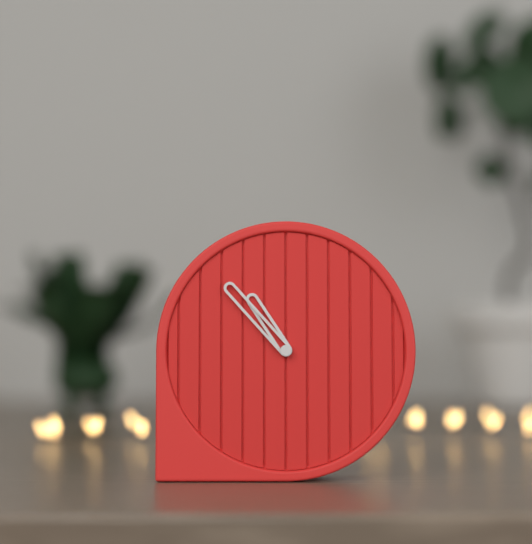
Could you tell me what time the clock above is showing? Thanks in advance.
10:53
